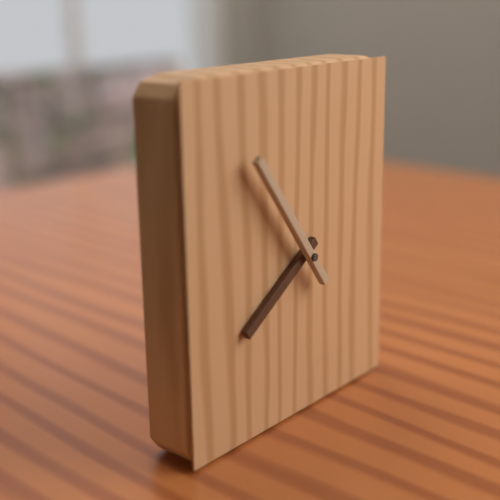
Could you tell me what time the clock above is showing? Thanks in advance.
7:54
